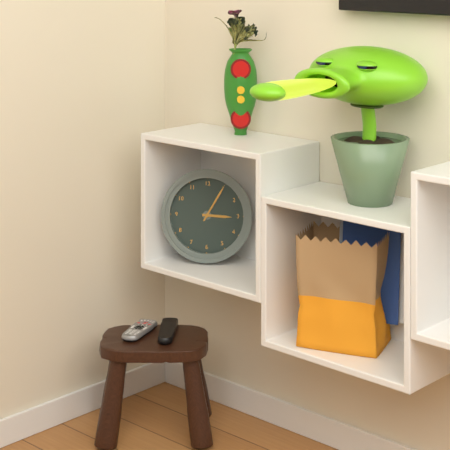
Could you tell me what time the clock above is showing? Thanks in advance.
3:05
